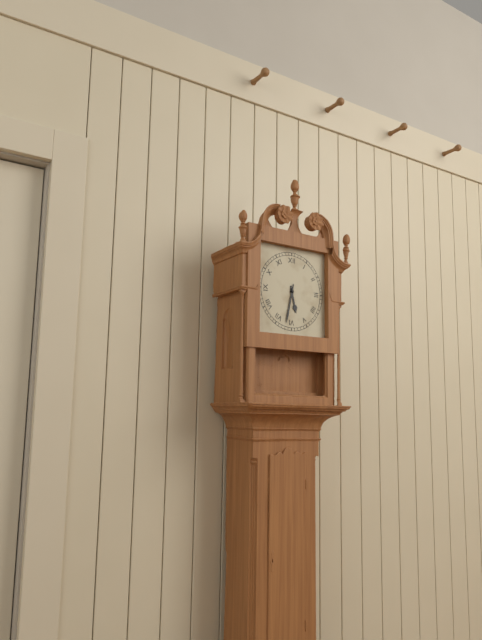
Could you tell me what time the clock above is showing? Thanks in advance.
5:32
